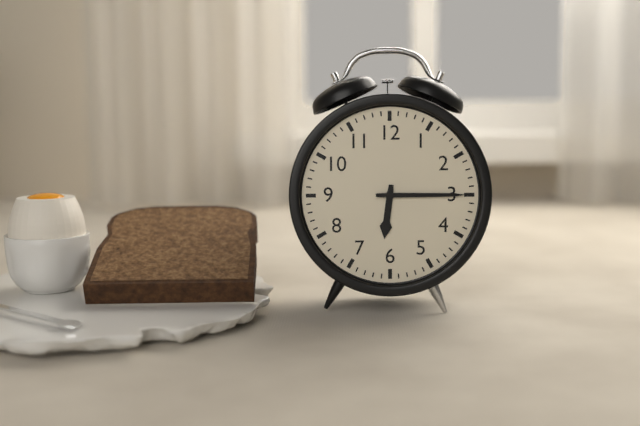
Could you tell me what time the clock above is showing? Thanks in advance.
6:15
